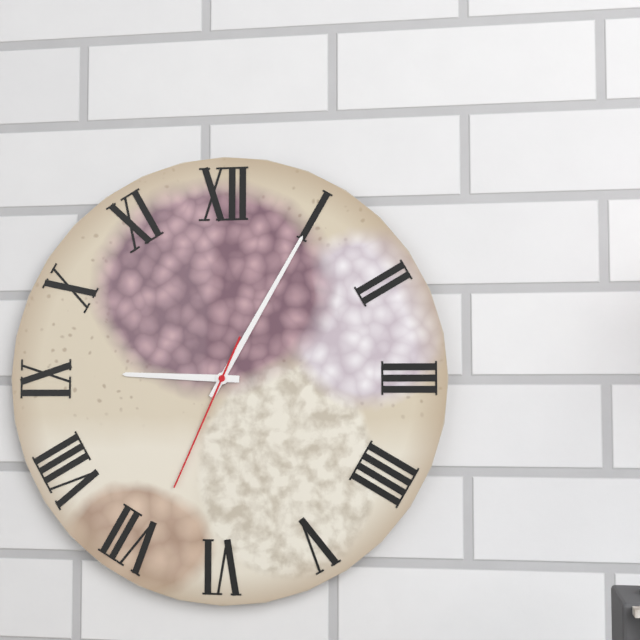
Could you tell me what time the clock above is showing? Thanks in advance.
9:05:34
